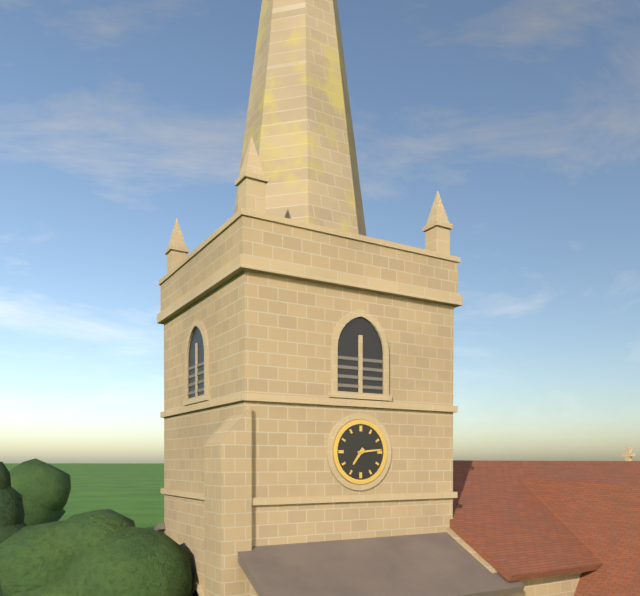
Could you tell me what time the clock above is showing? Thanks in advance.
7:14
